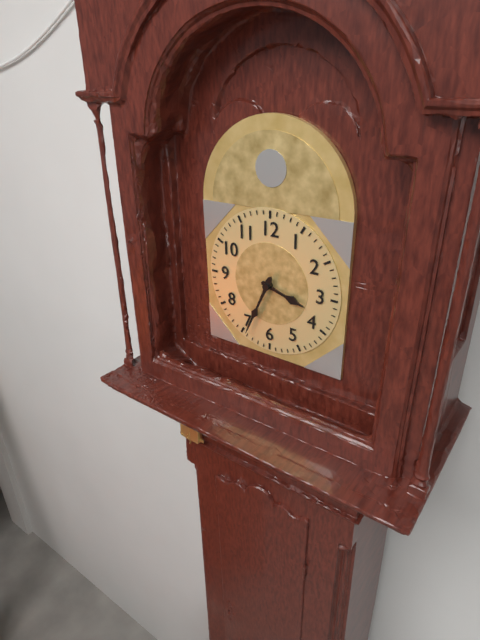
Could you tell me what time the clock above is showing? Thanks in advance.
3:34
